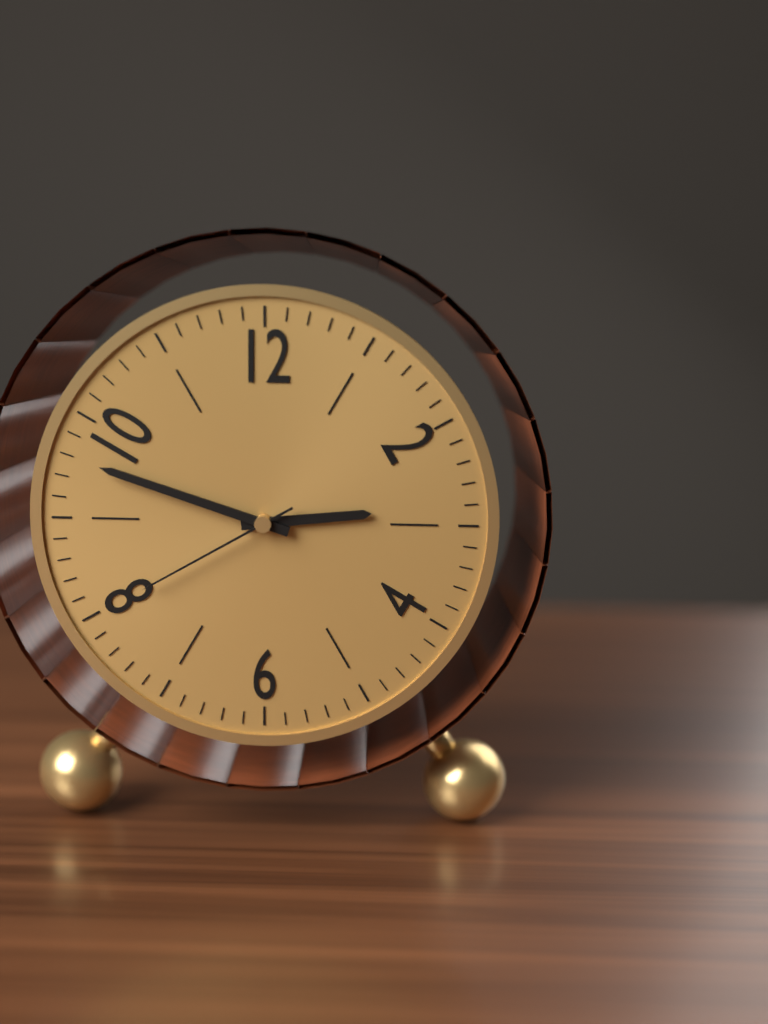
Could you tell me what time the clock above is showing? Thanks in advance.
2:48:40
